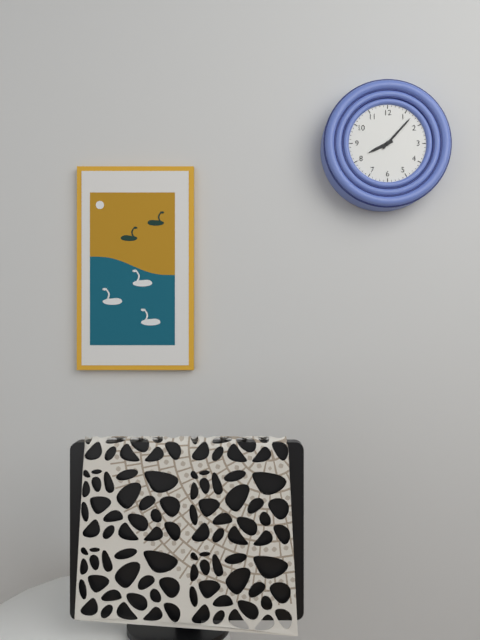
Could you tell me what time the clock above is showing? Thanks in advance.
8:07
